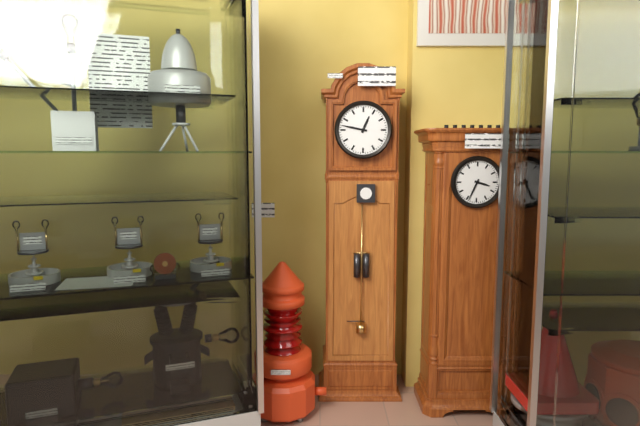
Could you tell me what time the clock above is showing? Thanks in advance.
12:47
